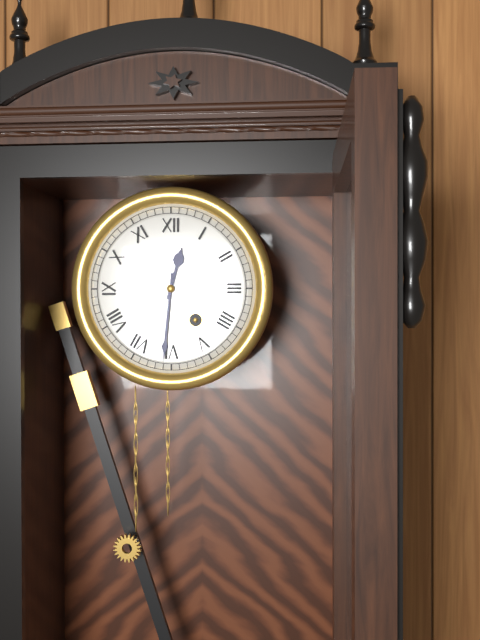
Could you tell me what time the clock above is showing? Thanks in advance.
12:31
